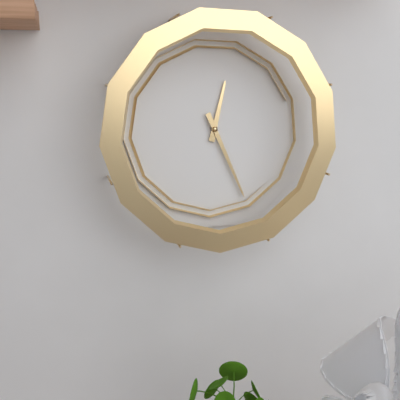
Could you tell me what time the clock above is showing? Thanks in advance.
12:26
